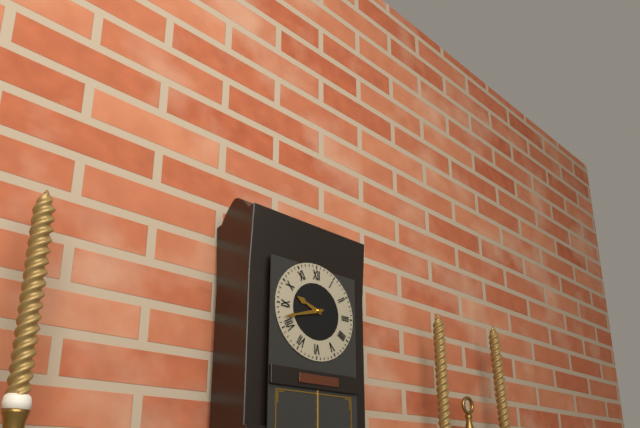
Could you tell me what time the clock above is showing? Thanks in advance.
9:42
